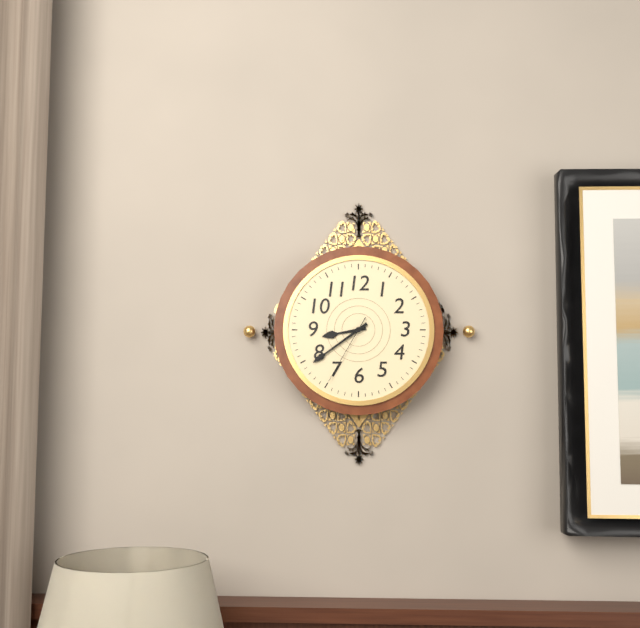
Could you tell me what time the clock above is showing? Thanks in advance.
8:39:35
